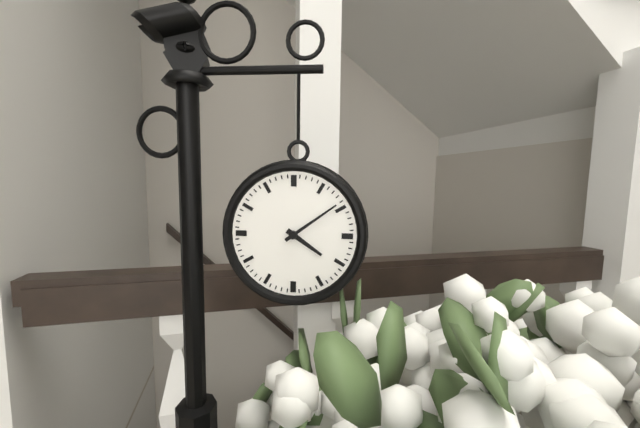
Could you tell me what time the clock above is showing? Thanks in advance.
4:09
